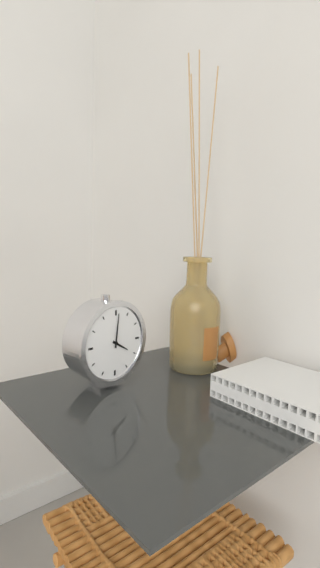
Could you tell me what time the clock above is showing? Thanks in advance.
4:01
